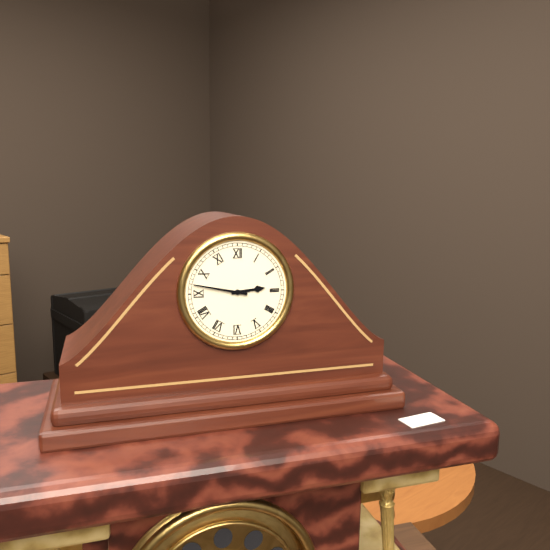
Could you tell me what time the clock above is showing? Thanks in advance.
2:47
